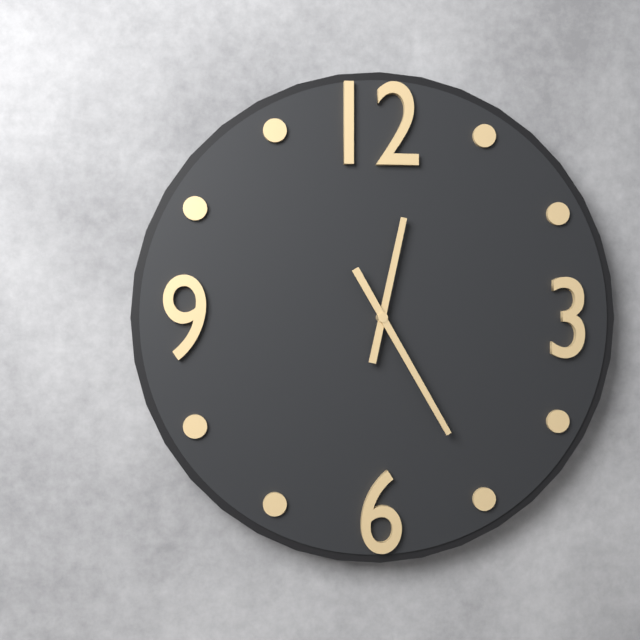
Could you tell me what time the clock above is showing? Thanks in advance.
12:25
